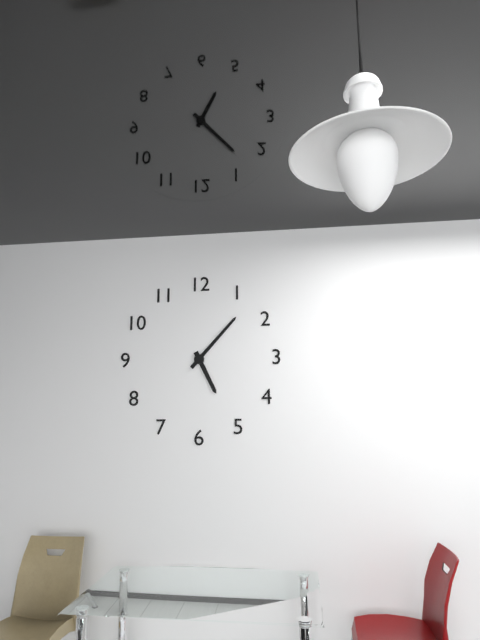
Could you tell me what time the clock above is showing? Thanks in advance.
5:07
